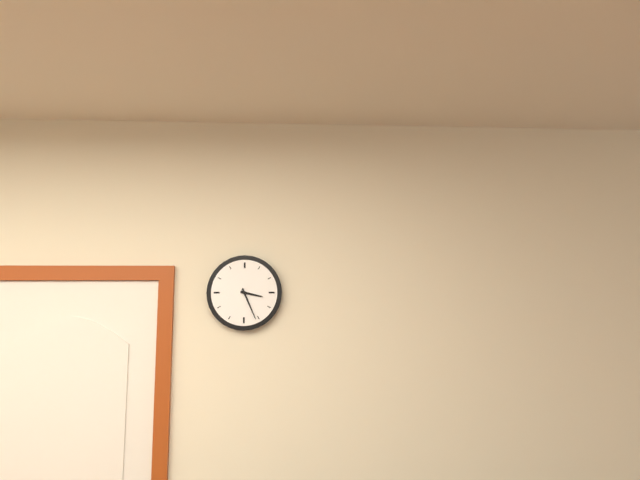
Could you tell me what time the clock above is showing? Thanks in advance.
3:26
